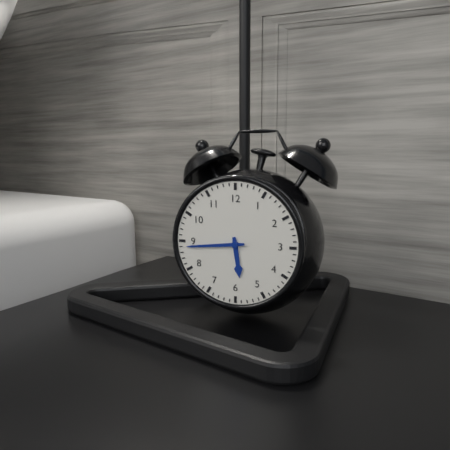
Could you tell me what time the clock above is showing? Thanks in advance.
5:44
